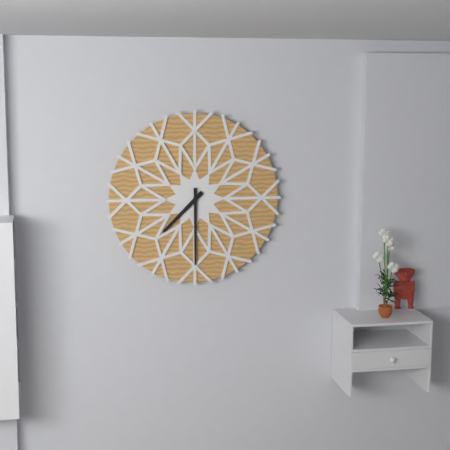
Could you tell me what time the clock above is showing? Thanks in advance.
7:30
